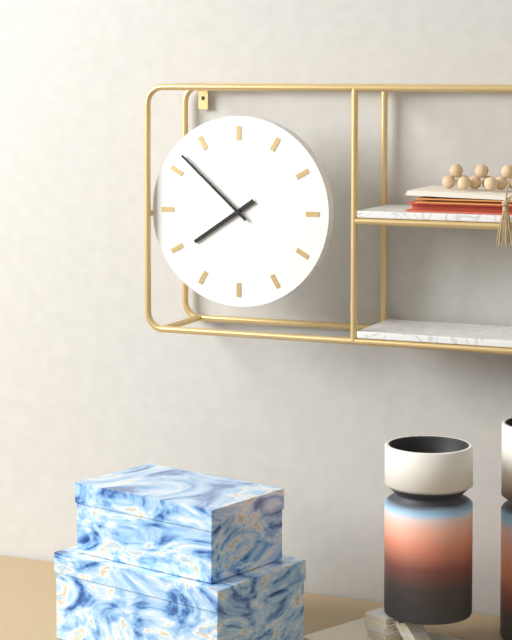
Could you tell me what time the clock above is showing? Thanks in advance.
7:52
